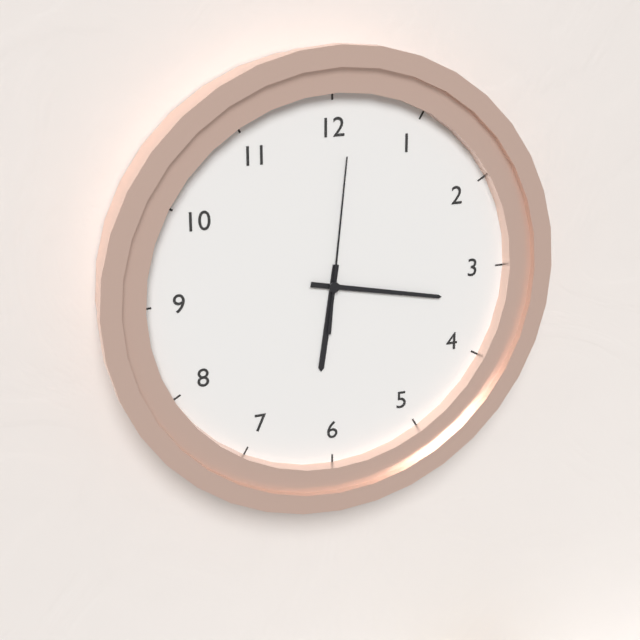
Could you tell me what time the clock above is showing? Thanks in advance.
6:17:01
